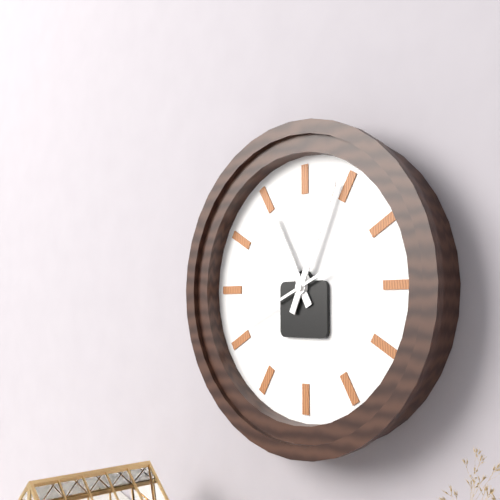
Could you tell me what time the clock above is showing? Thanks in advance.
11:04:41
